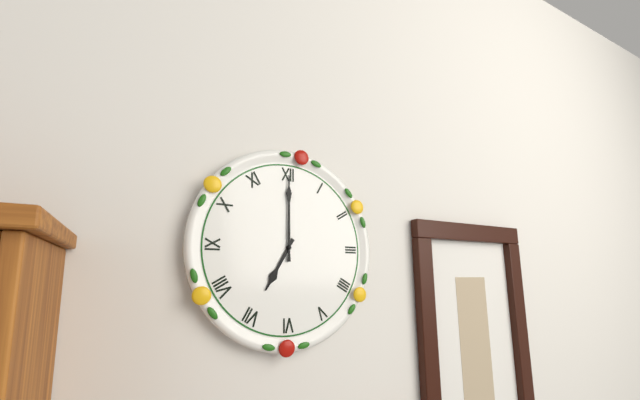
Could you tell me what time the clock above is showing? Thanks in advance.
7:00
